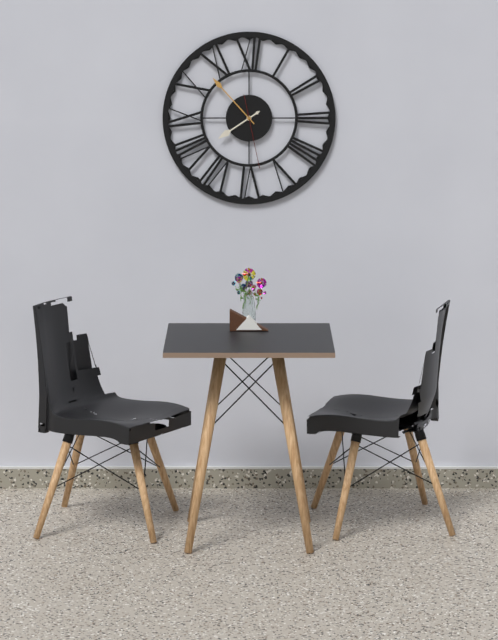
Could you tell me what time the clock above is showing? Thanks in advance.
7:53:28
